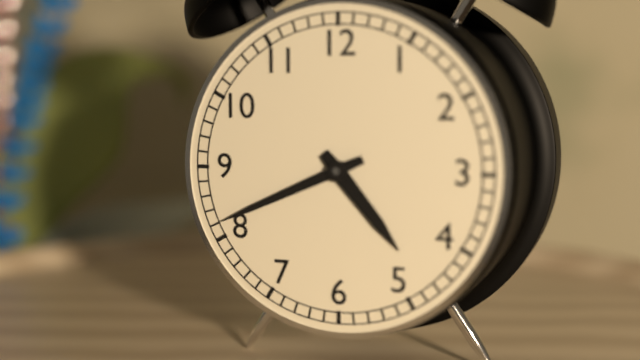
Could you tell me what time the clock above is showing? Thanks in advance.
4:41
